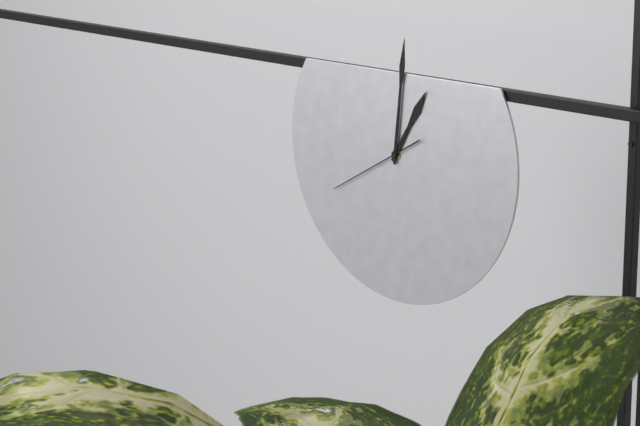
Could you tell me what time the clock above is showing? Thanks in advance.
1:01:40
